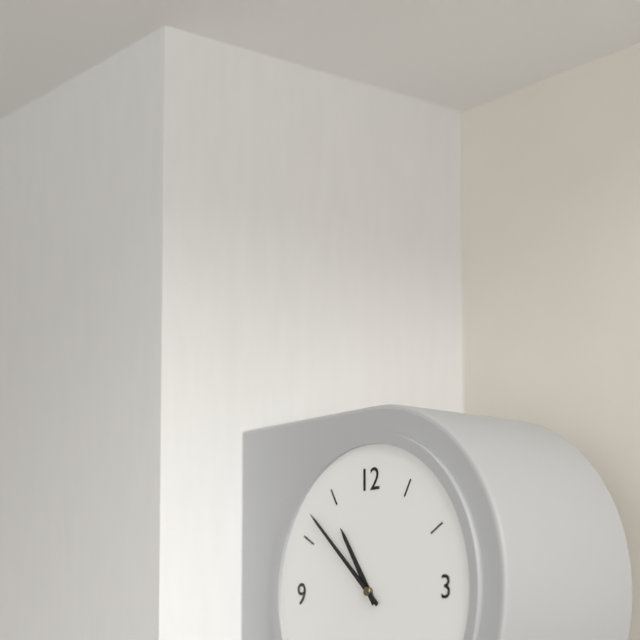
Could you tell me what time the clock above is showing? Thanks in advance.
10:52
